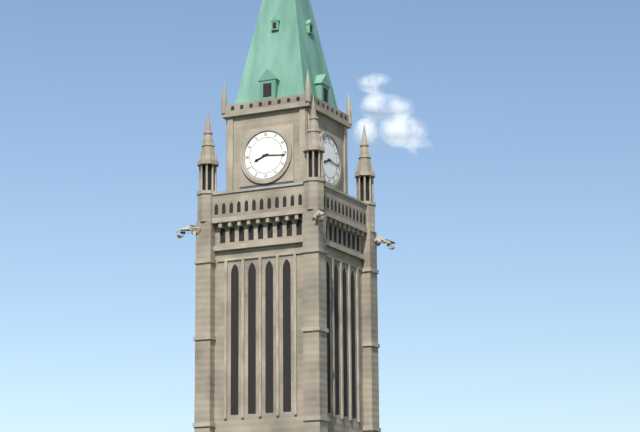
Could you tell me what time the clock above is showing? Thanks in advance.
8:16
